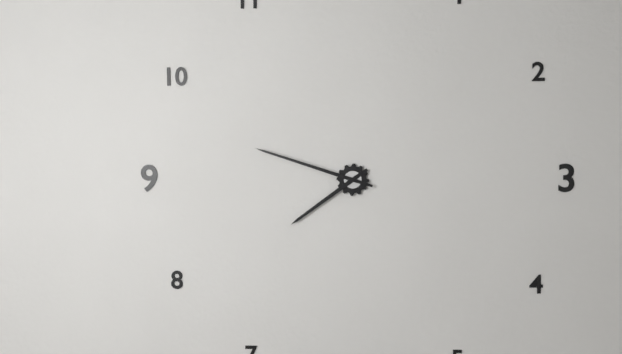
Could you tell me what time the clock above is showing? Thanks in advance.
7:48
